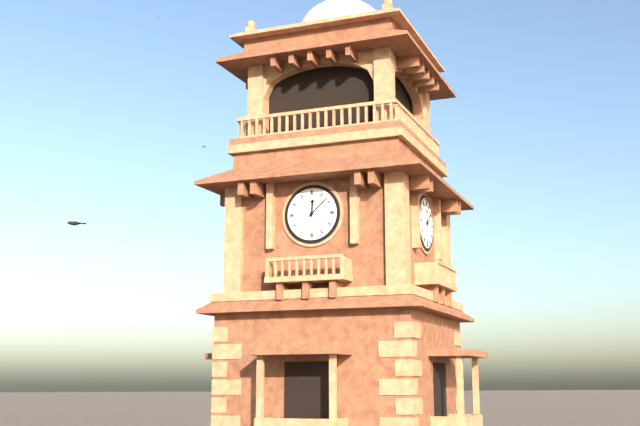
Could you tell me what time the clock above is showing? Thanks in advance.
12:08
